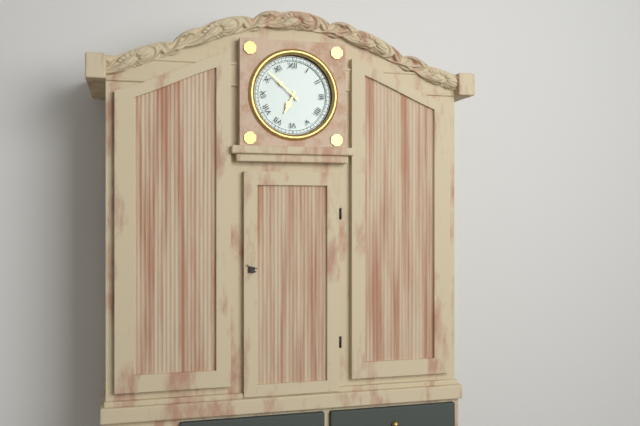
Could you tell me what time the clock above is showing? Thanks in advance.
6:52
